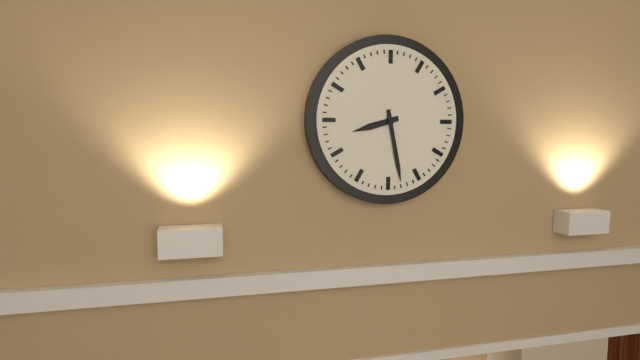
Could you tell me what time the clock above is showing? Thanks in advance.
8:28
